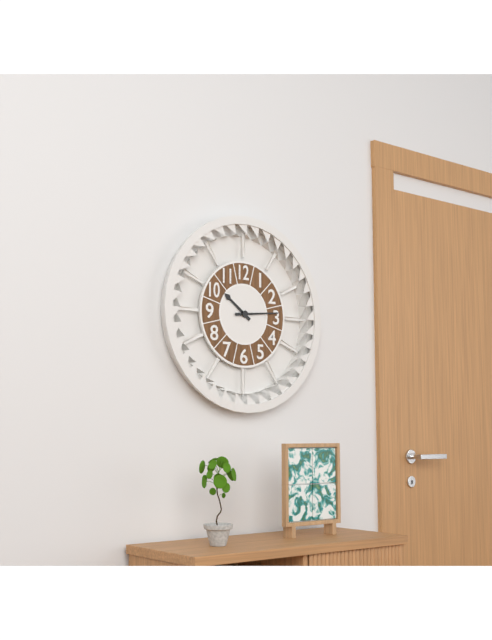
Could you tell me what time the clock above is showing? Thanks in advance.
10:14
